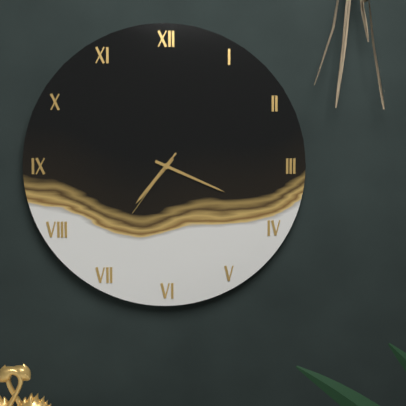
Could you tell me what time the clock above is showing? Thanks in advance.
7:19:36
